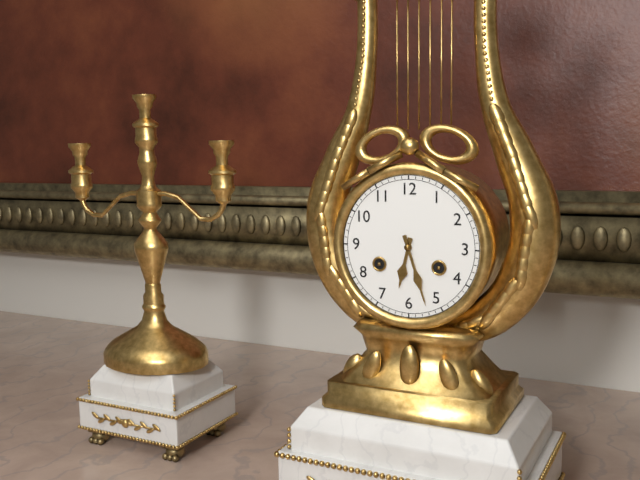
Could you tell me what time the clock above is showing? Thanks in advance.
6:27
